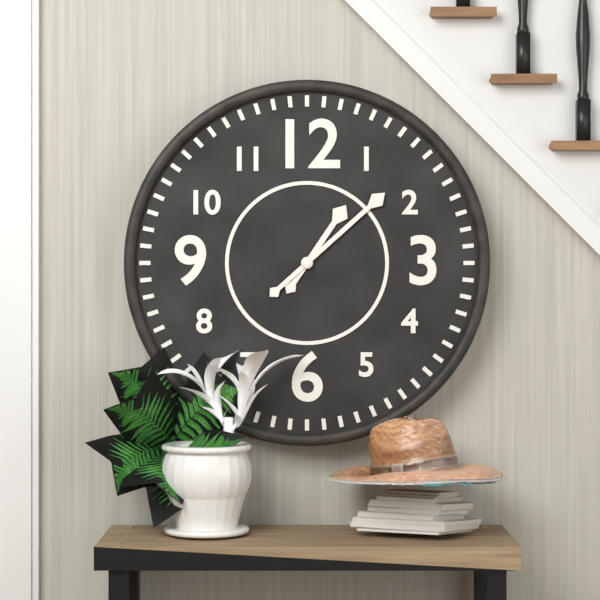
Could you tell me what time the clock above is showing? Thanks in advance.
1:08
